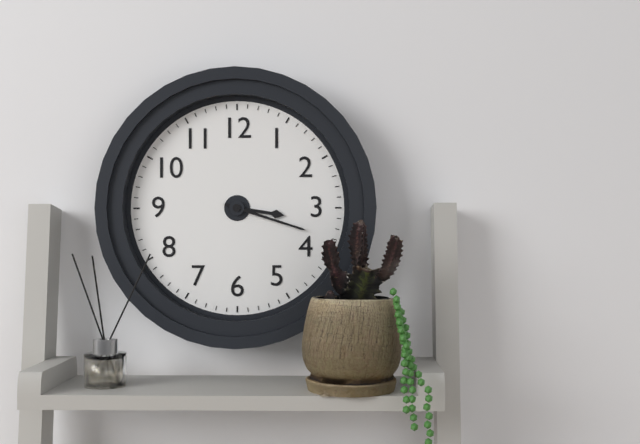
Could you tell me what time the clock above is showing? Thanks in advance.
3:18
